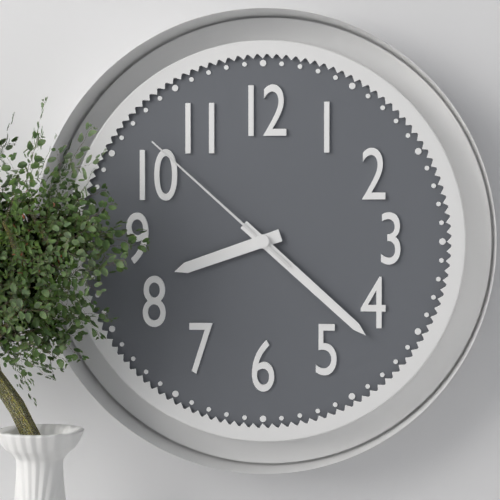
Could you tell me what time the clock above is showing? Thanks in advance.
8:22:52
